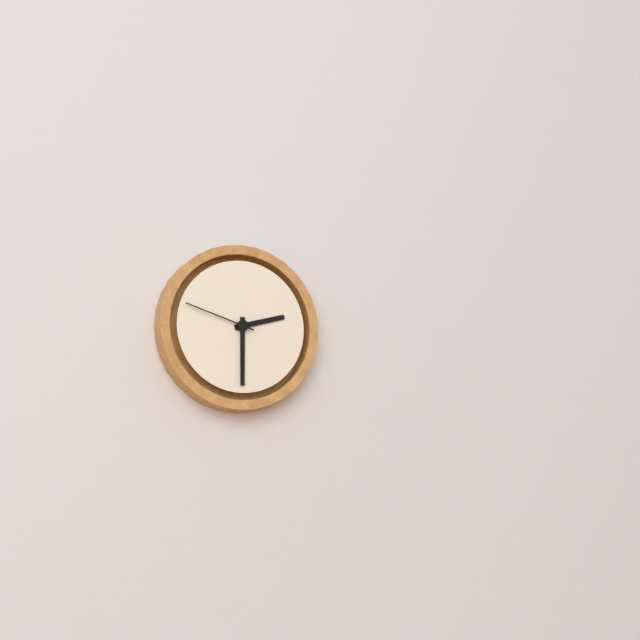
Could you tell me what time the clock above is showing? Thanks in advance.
2:30:48
